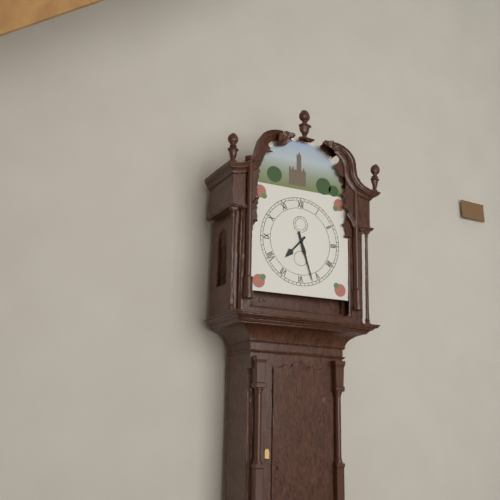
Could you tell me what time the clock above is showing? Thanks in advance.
7:27
